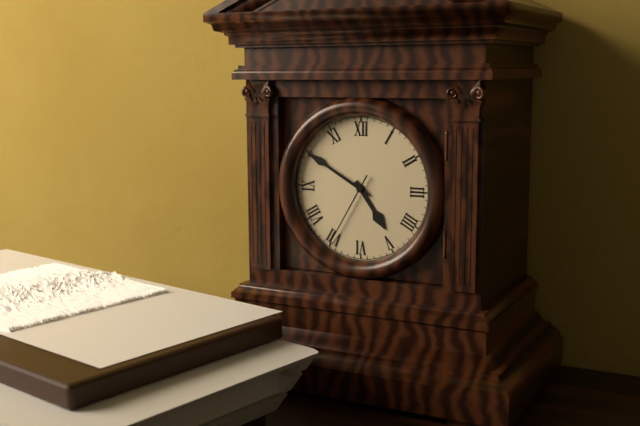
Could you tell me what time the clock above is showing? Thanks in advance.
4:50:35
